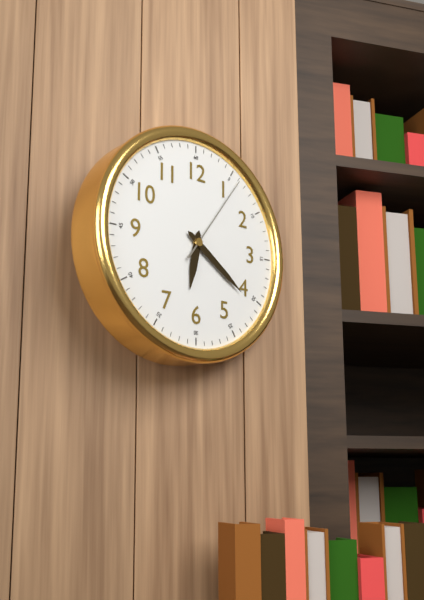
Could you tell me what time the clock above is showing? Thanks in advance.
6:21:06
